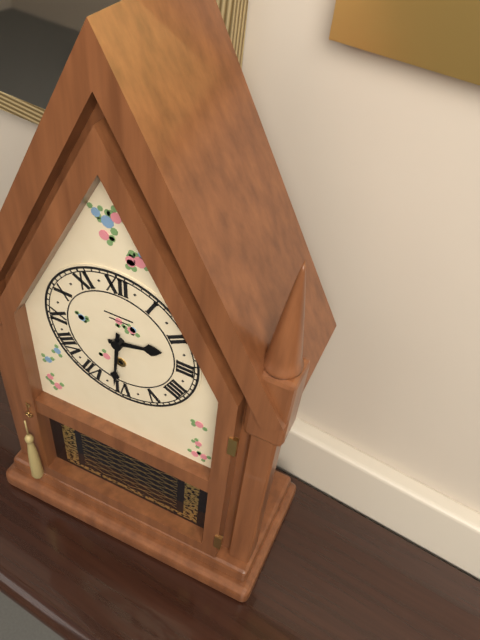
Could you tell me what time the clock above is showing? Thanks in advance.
2:31
